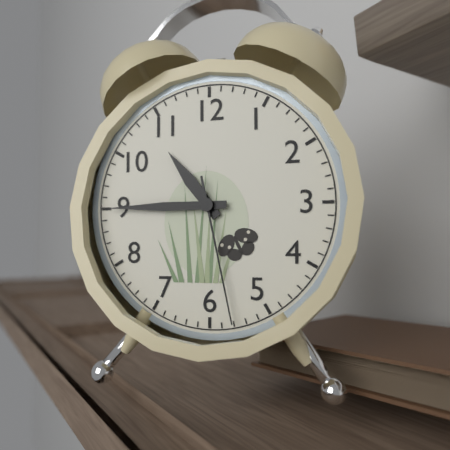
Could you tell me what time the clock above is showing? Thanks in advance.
10:45:28
